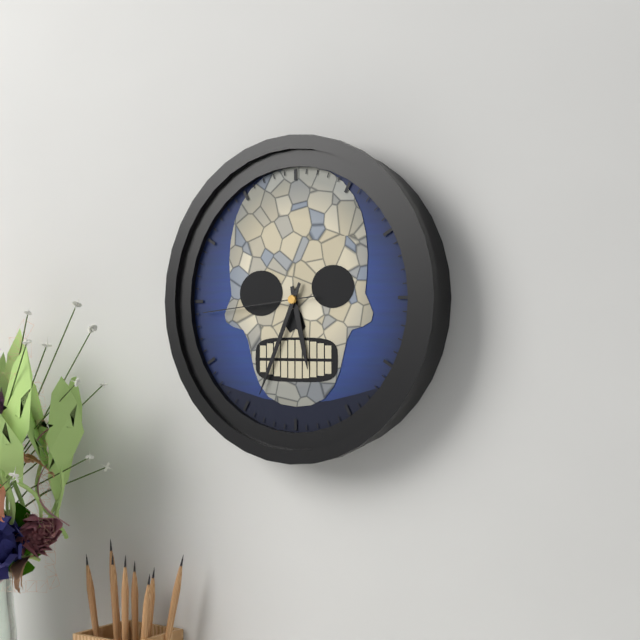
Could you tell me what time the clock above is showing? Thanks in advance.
5:34:44
